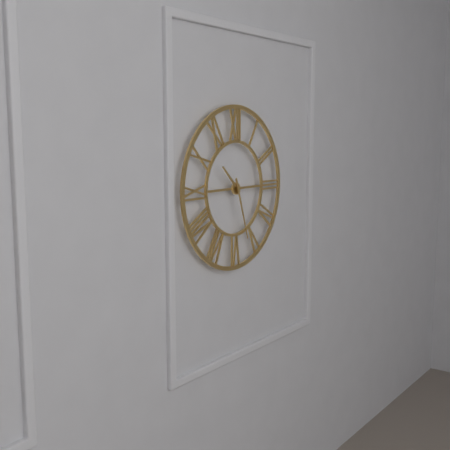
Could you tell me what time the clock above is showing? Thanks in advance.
10:27
